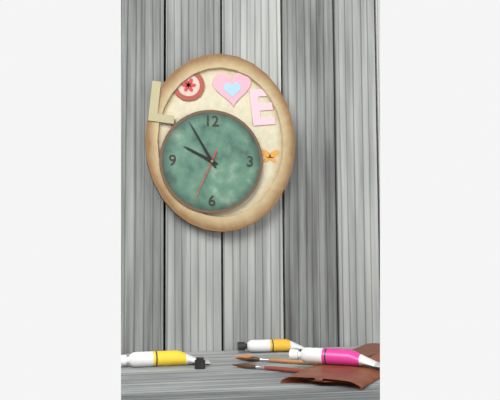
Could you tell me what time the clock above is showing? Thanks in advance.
9:55:34
